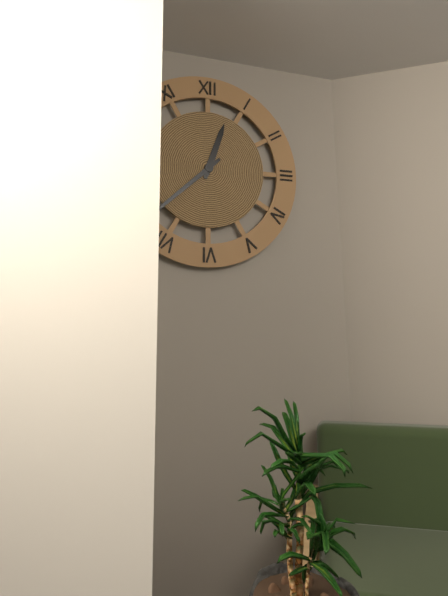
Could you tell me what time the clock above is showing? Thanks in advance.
12:38
